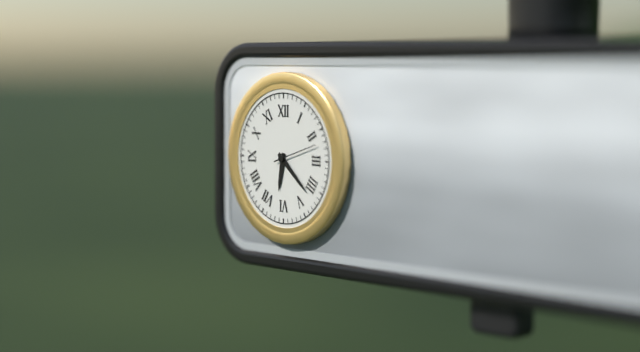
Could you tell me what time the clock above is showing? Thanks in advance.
6:22
